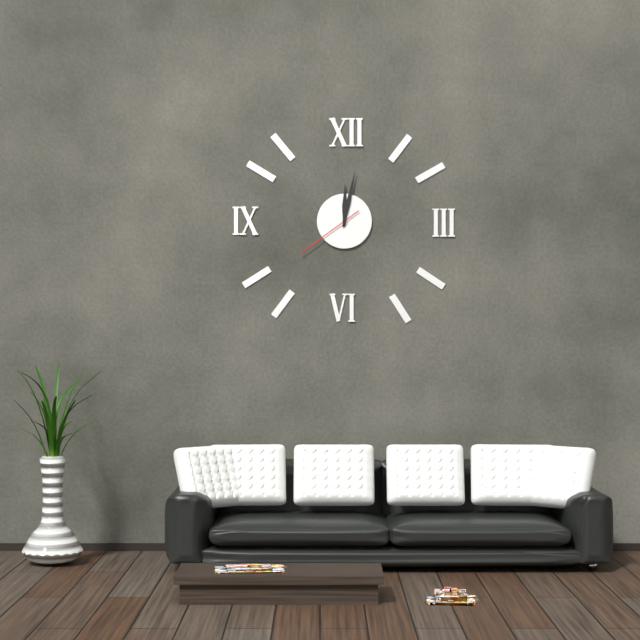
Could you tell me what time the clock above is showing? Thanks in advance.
12:02:39
